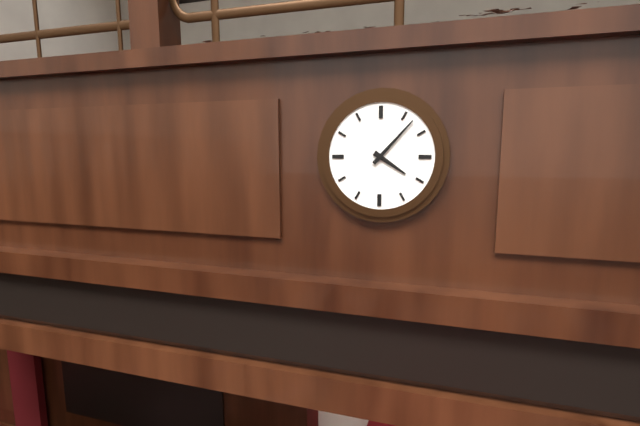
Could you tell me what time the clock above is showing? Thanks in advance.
4:07
